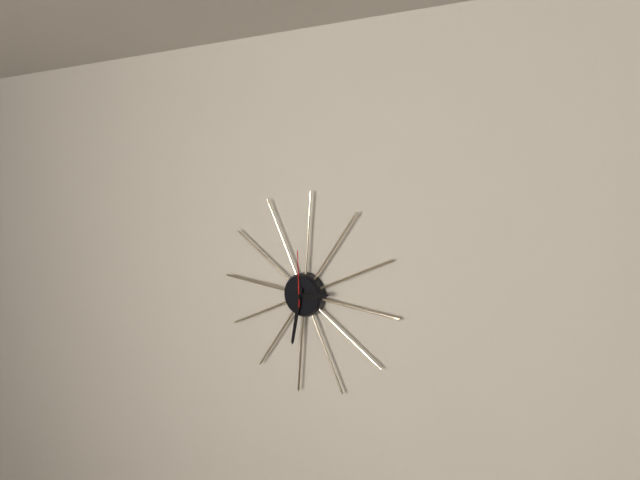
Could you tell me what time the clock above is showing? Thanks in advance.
2:31:59
